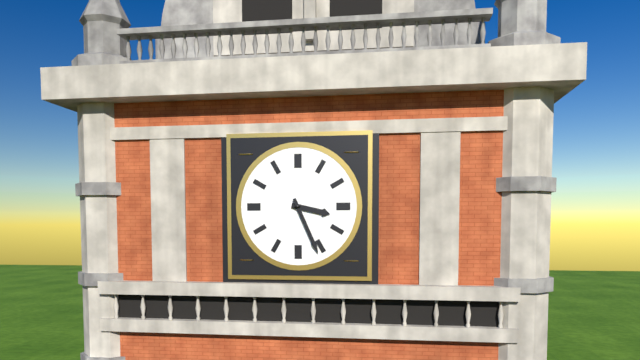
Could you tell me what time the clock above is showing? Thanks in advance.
3:26
